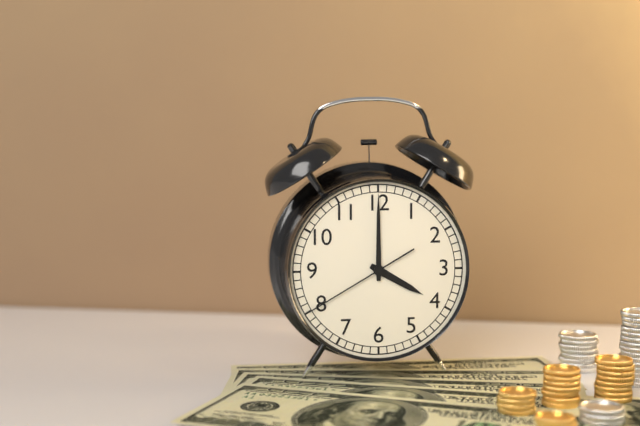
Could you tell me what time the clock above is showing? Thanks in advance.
4:00:40
